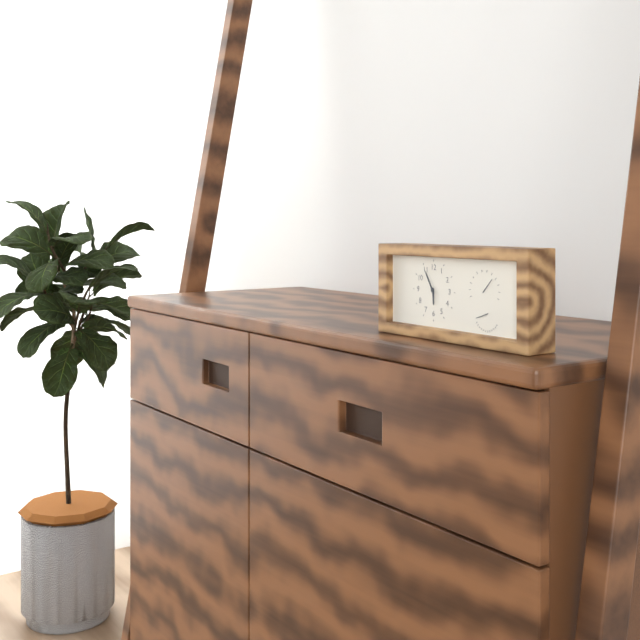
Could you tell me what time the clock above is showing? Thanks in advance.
5:55
